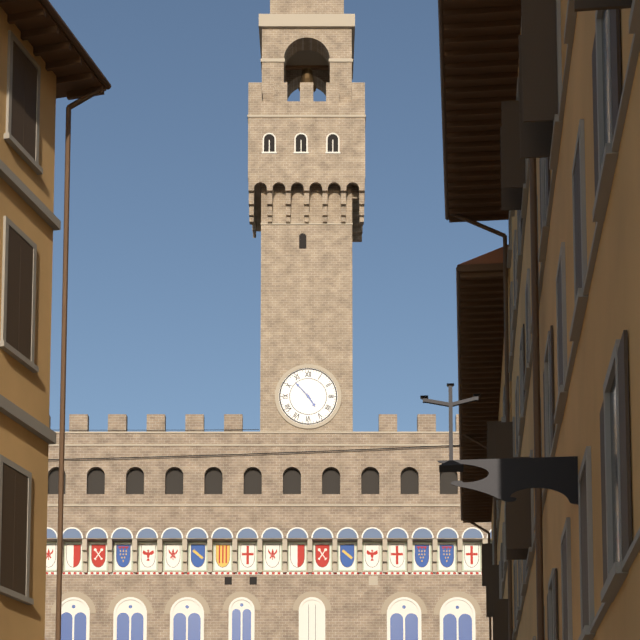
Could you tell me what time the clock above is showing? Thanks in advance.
4:53
